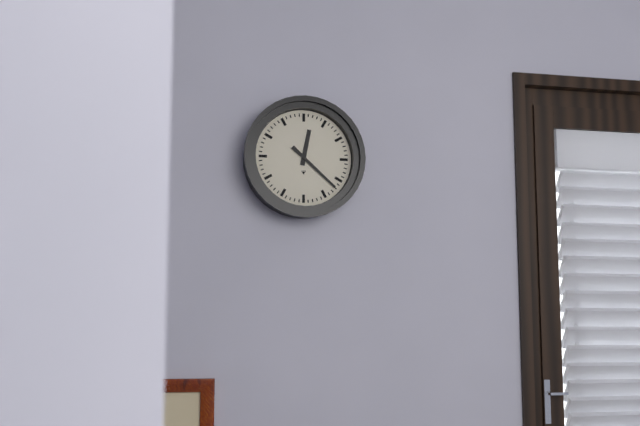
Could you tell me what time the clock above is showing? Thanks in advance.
12:22
